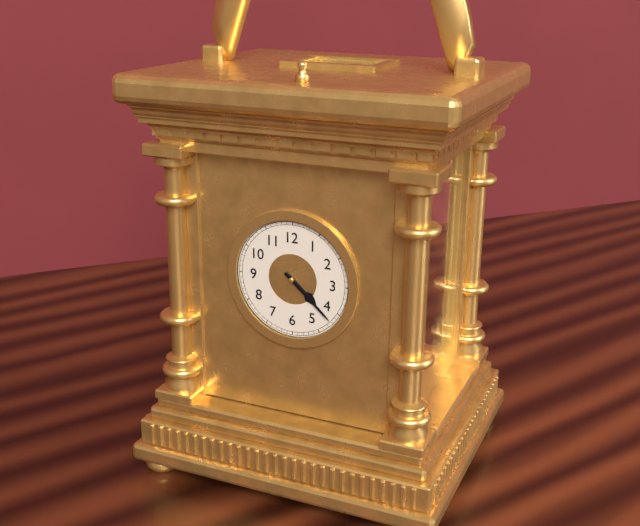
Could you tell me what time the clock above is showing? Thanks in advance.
4:22
